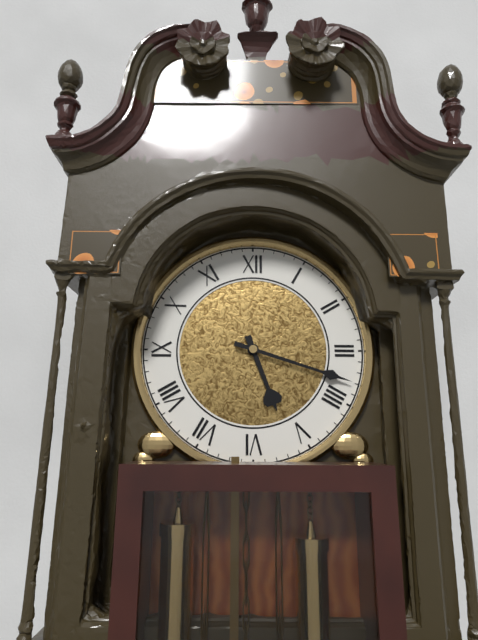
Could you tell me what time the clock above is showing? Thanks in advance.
5:18
